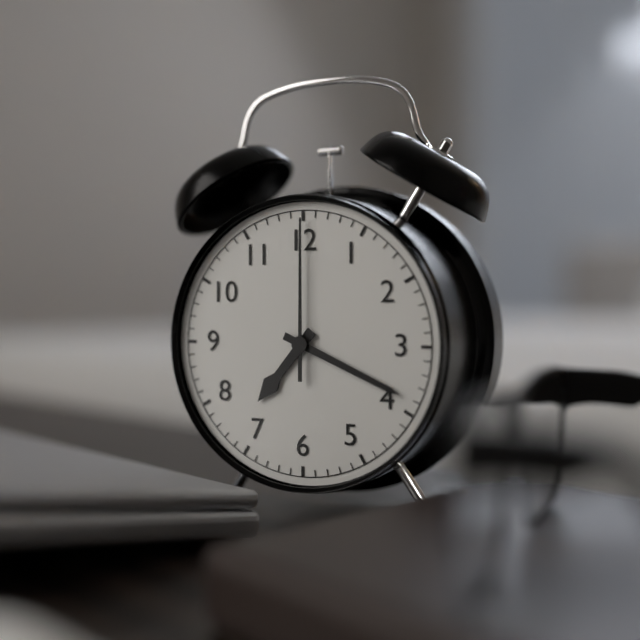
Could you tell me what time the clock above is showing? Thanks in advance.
7:19:00
